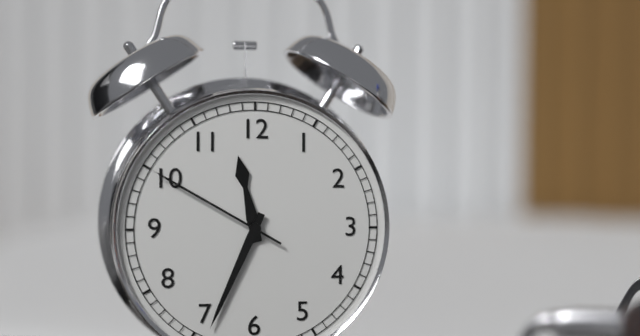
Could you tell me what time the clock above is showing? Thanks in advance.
11:34:50
